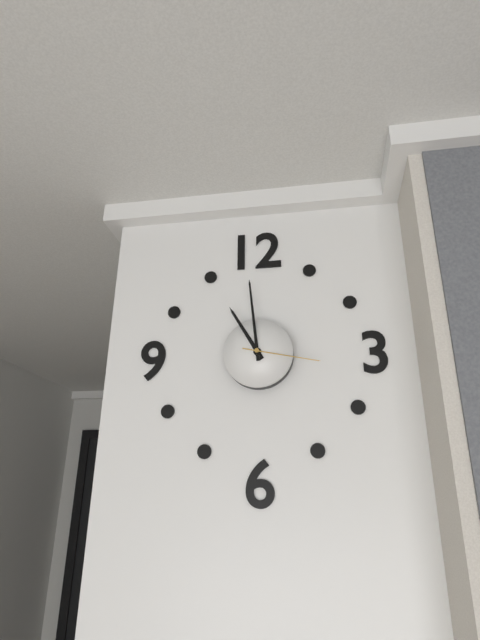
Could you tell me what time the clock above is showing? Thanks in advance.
10:59:17
